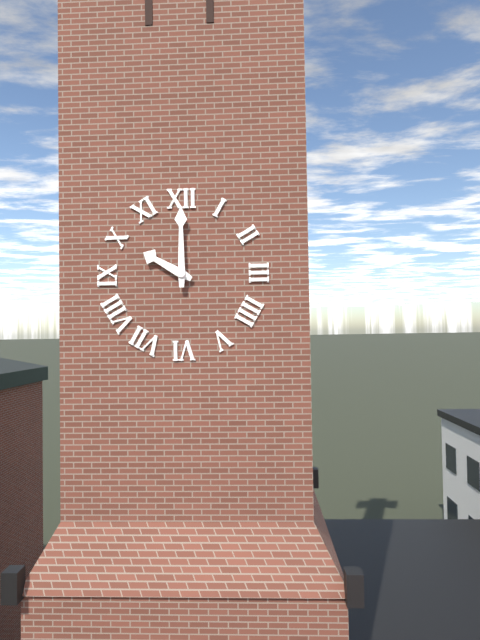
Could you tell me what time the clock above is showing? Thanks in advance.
10:00
